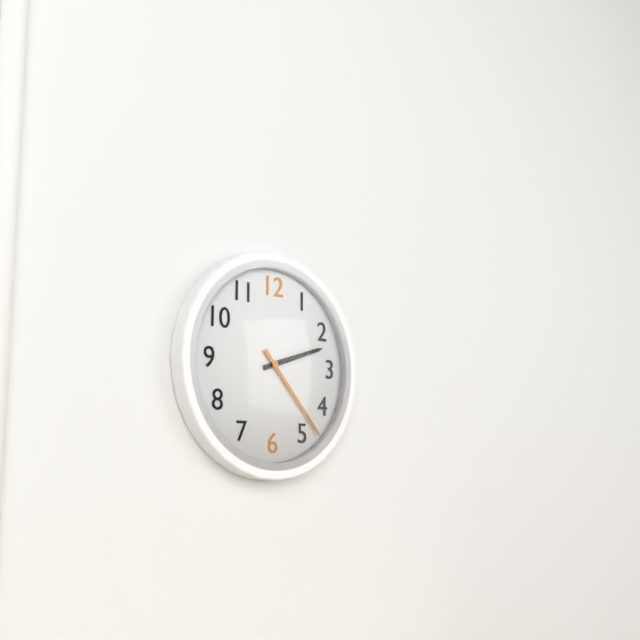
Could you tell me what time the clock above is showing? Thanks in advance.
2:23
